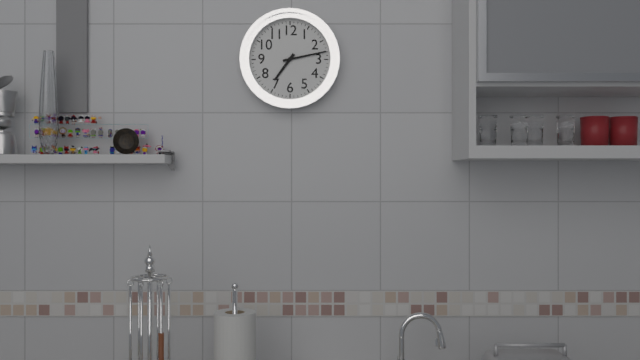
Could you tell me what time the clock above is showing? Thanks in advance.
7:13
